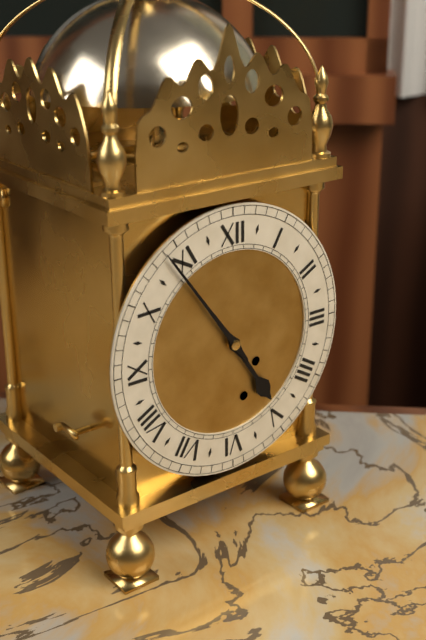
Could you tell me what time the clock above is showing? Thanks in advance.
4:54
